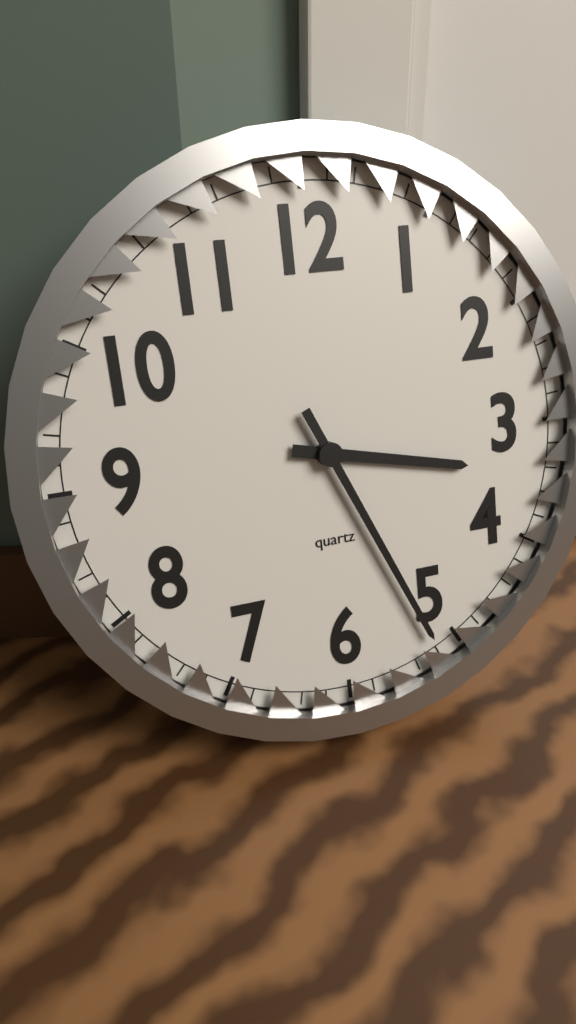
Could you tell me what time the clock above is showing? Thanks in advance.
3:26
